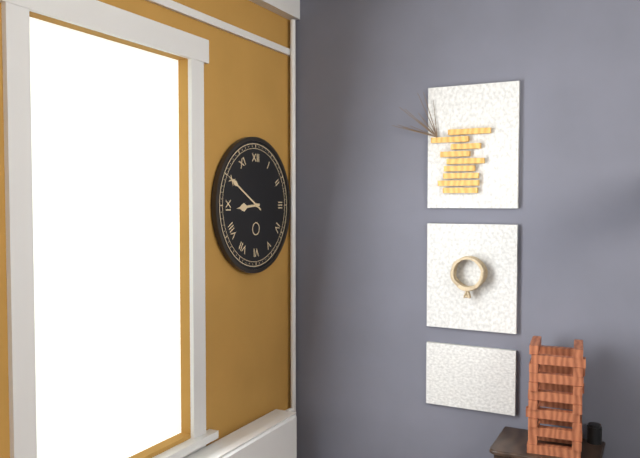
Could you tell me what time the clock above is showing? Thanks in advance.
8:50
